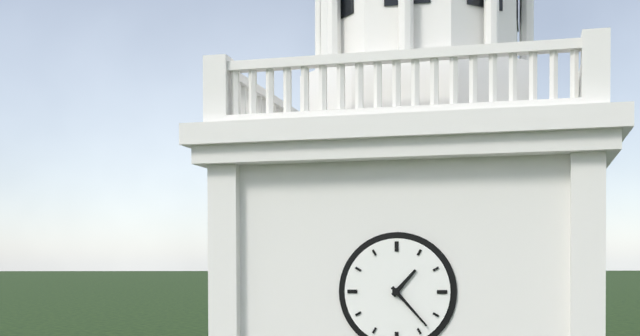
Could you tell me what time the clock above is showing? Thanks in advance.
1:23
